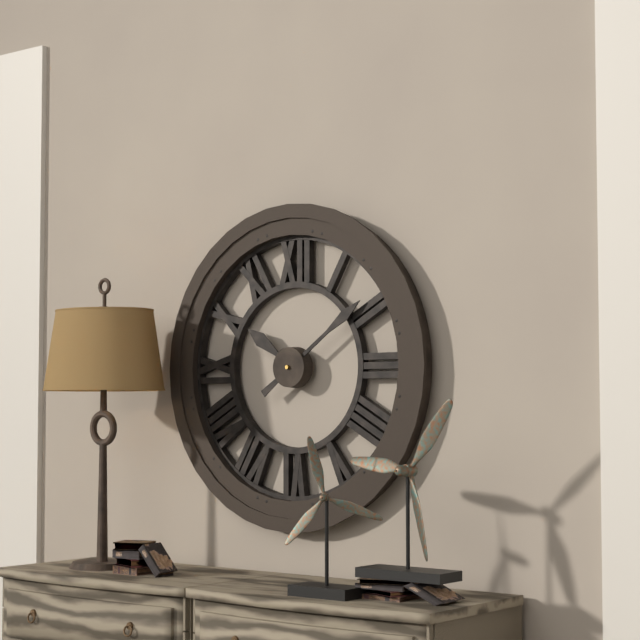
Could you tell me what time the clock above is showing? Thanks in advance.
10:09
